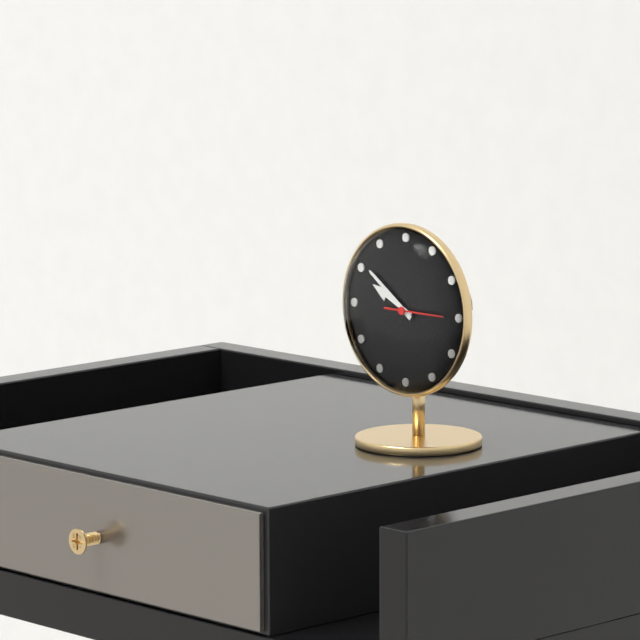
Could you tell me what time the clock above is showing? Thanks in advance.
9:51:15
